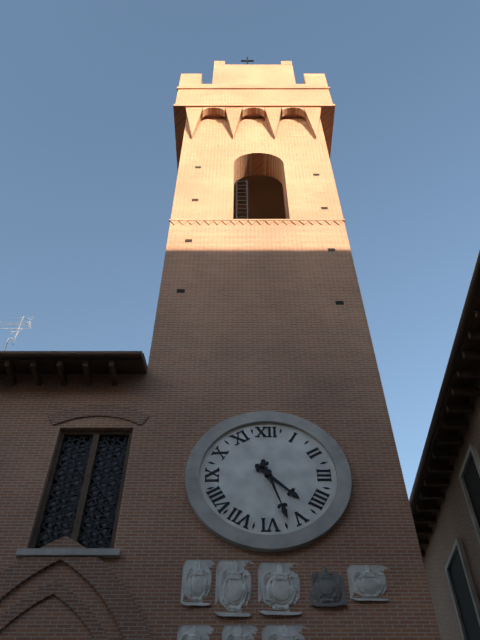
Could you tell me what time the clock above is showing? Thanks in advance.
4:27
